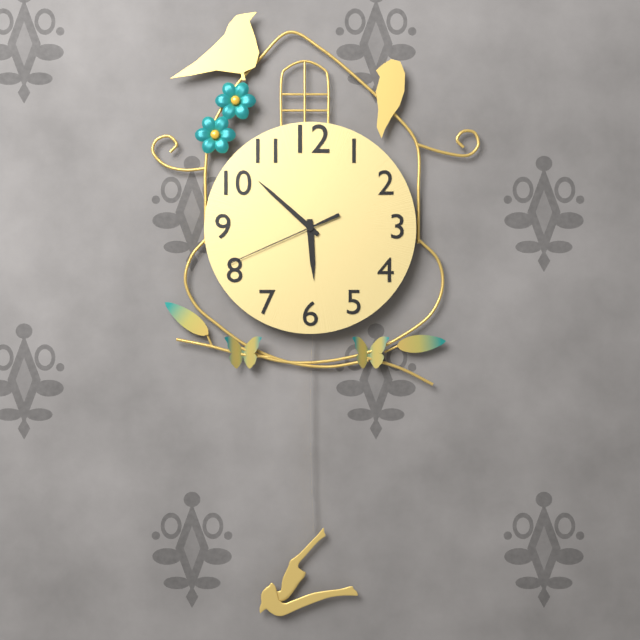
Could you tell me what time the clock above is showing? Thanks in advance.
5:52:41
